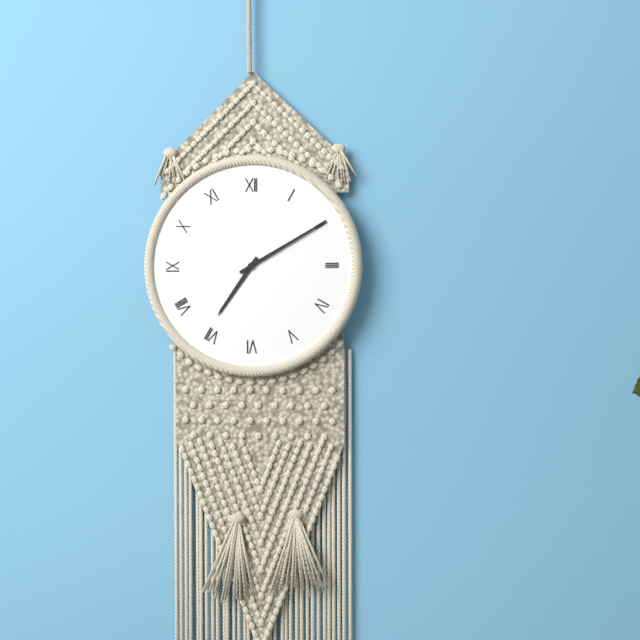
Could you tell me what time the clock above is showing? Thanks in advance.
7:10
